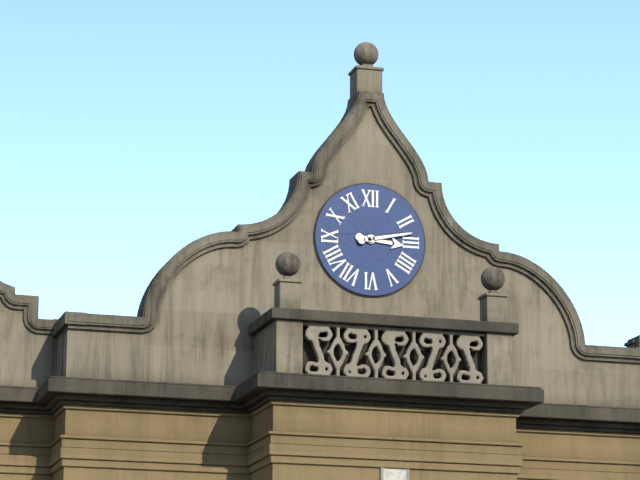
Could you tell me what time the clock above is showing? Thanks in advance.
3:13
